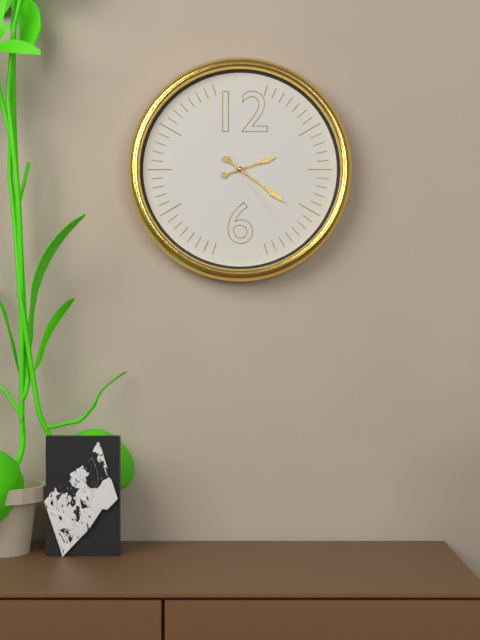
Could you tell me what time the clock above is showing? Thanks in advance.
2:21:24
